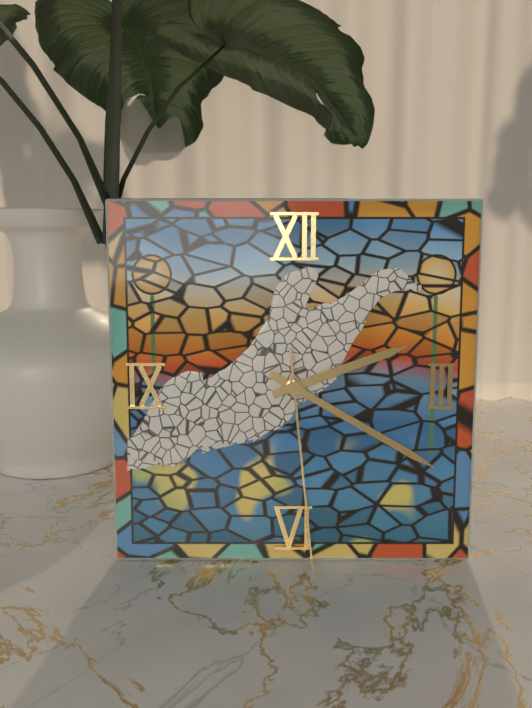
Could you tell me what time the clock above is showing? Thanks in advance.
2:20:29
